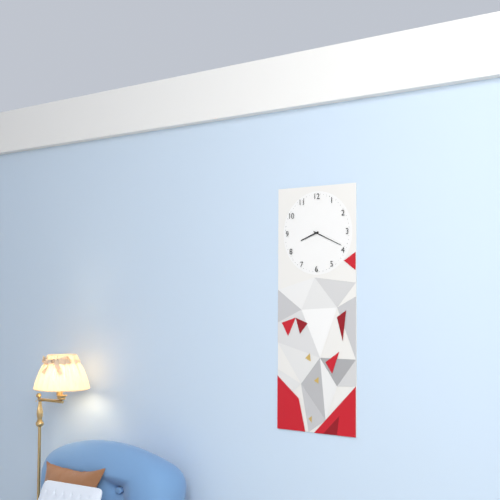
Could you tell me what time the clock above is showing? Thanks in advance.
8:19
